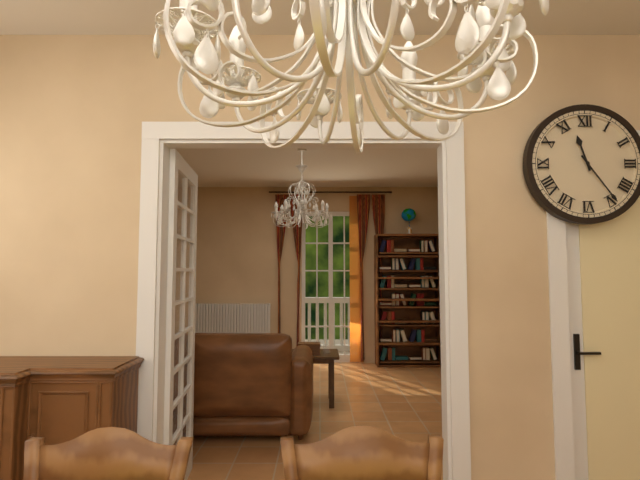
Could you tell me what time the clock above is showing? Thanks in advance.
11:24
